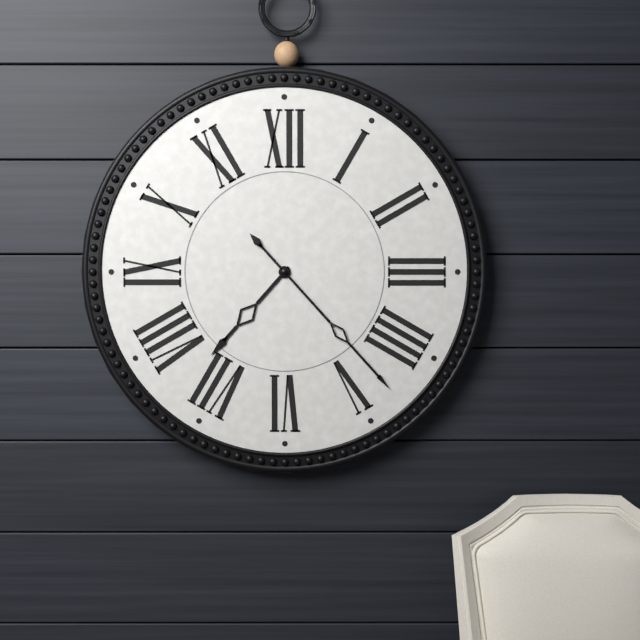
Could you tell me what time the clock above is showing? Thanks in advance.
7:23
